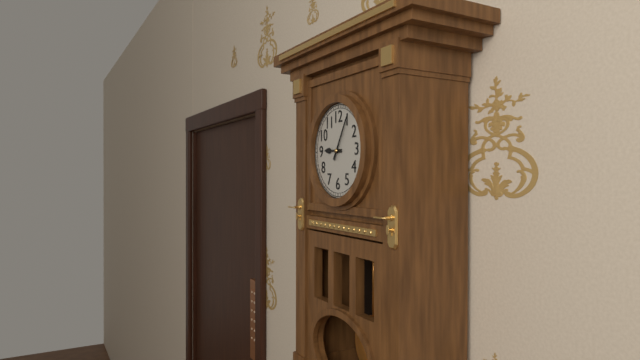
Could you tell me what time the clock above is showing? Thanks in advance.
9:05
